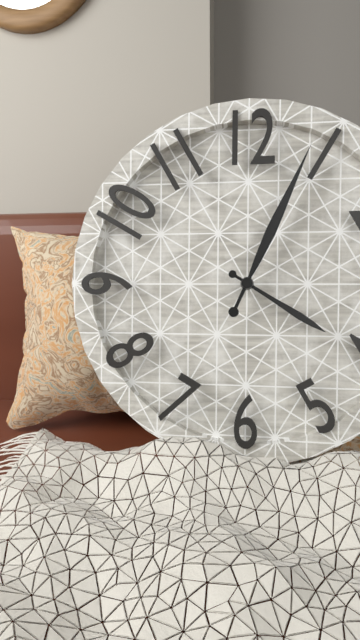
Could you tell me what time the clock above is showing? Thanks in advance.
4:04
